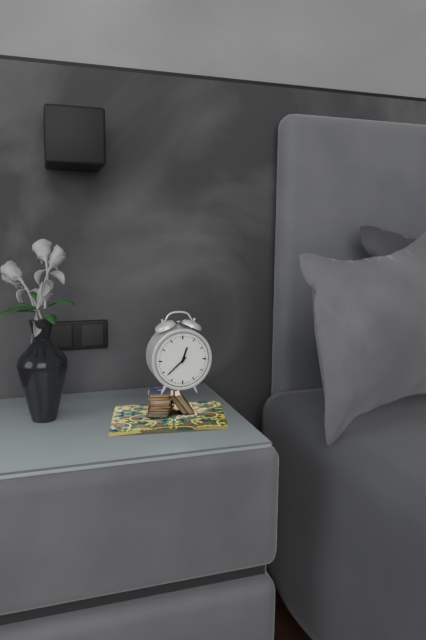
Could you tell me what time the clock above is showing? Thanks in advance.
12:38
